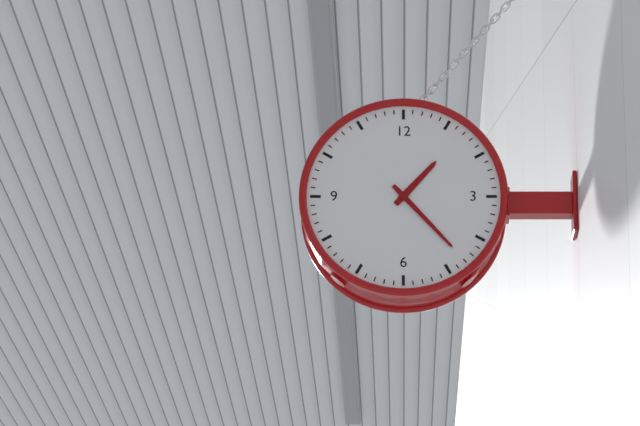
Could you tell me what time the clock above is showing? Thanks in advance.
1:23
